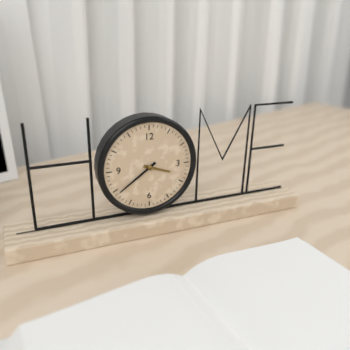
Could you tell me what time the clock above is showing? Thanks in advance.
3:39
